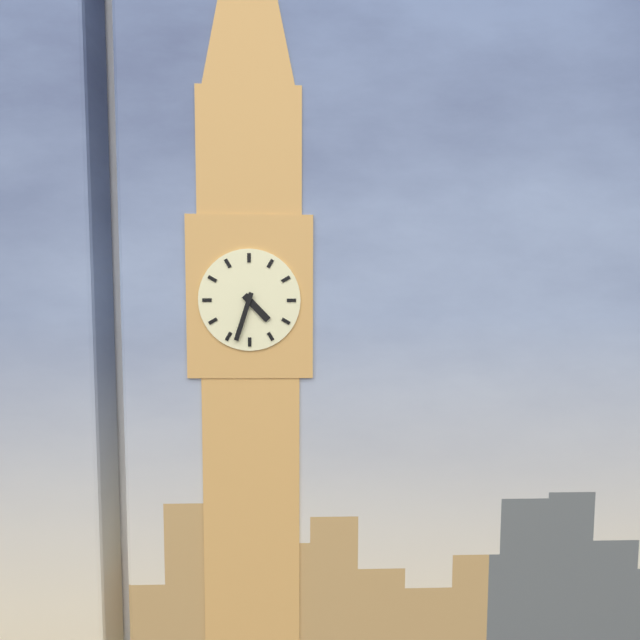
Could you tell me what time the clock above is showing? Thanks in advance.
4:33
